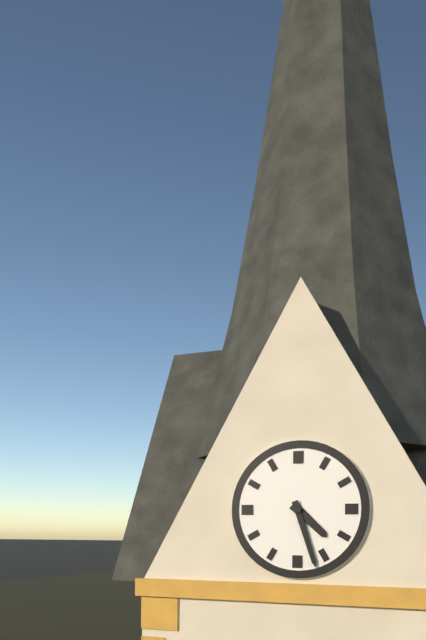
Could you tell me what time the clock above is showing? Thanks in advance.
4:27
